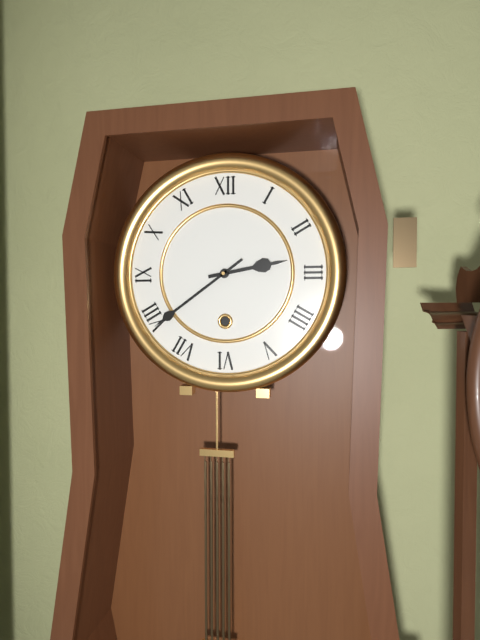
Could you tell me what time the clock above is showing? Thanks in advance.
2:39
